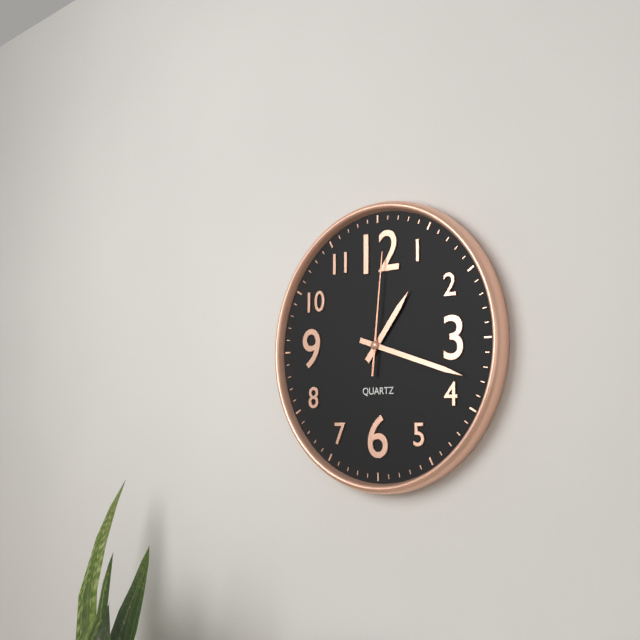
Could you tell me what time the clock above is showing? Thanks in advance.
1:18:01
